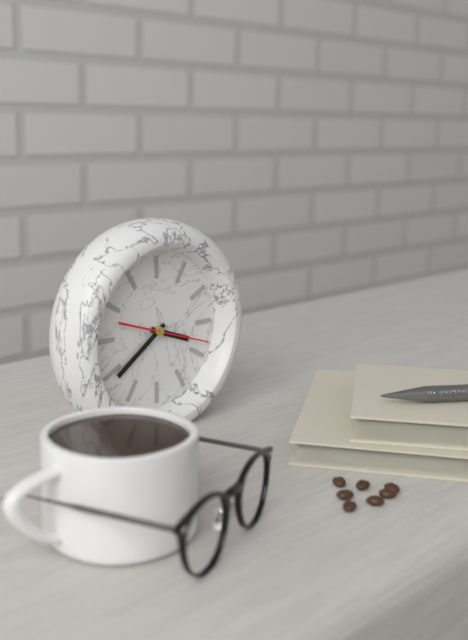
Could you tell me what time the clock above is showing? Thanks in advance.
3:39:18
